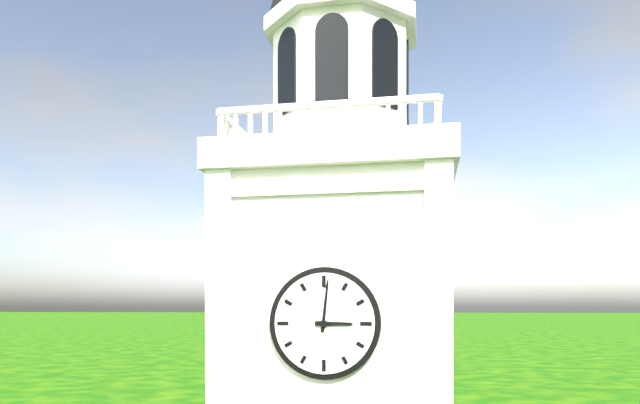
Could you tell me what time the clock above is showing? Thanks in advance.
3:01
